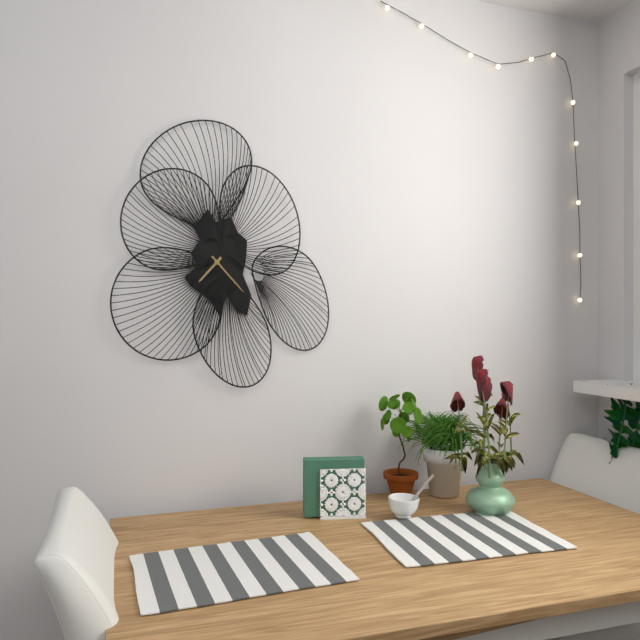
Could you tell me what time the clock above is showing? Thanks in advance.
7:23
